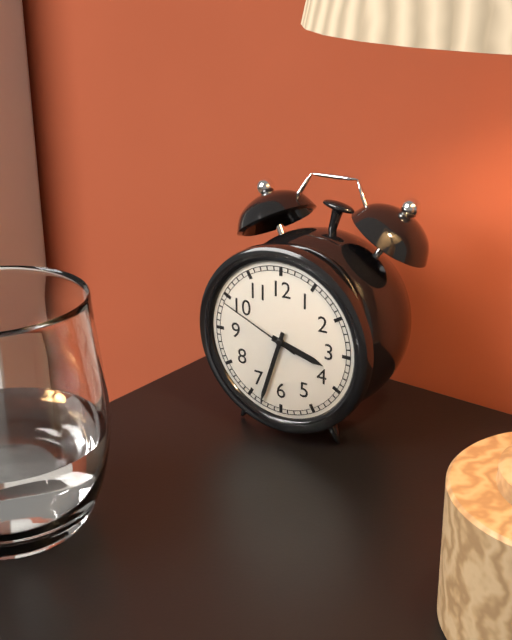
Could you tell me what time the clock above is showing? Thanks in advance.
3:33:49
